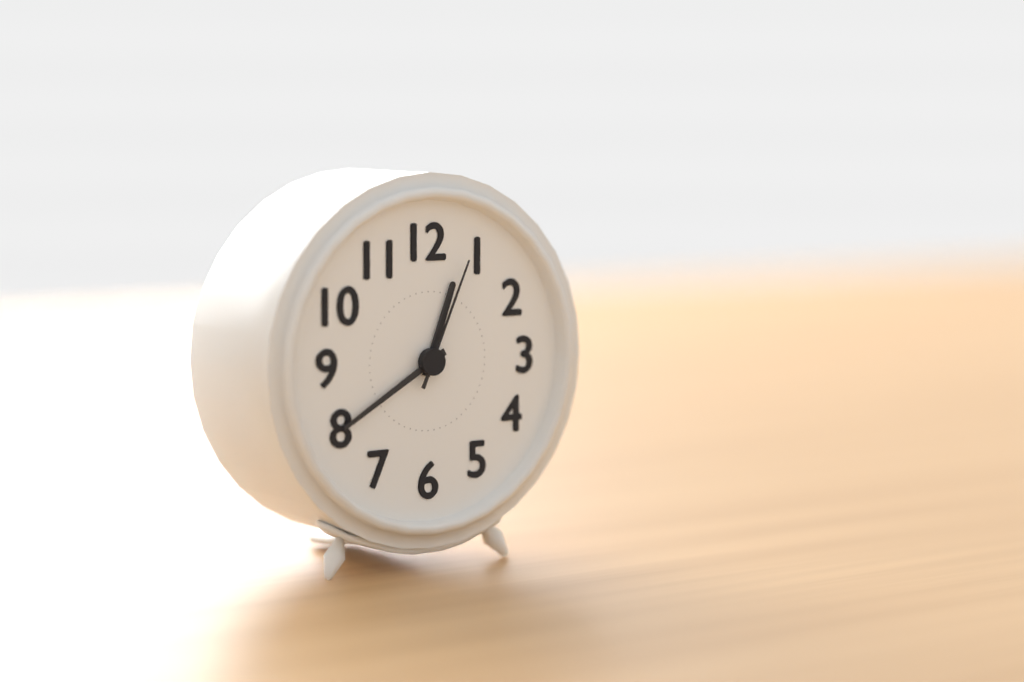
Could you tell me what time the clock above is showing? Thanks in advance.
12:40:04
